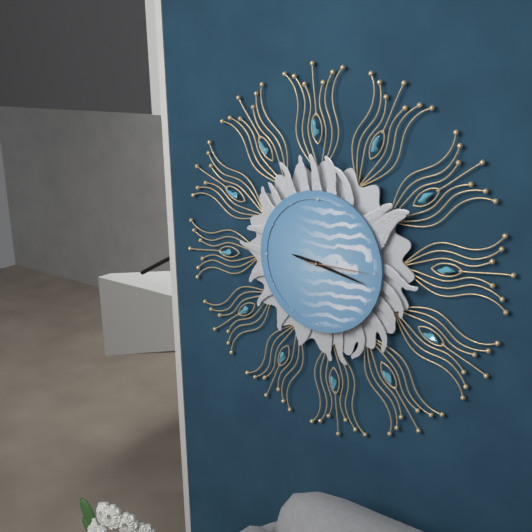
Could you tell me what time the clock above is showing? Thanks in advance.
9:17:15
